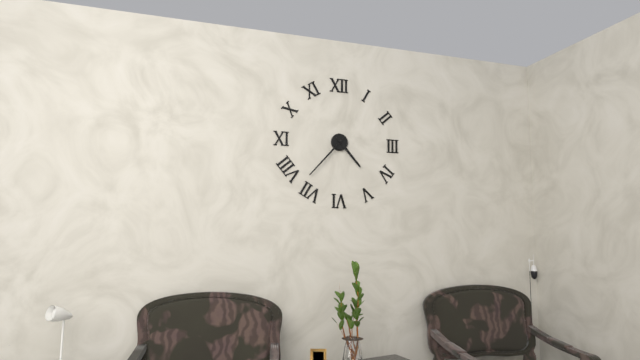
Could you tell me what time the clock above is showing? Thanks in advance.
4:37
